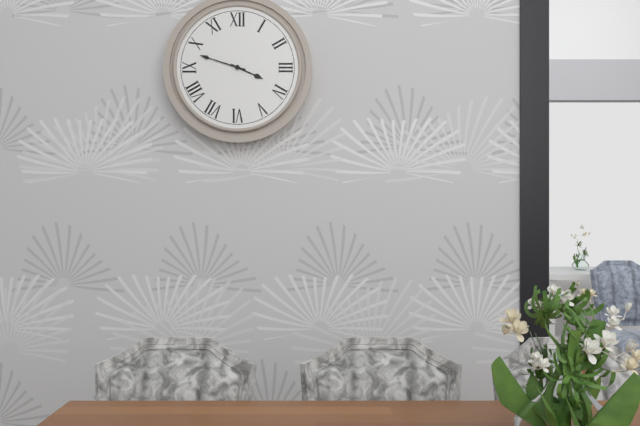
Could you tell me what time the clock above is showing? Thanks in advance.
3:48
